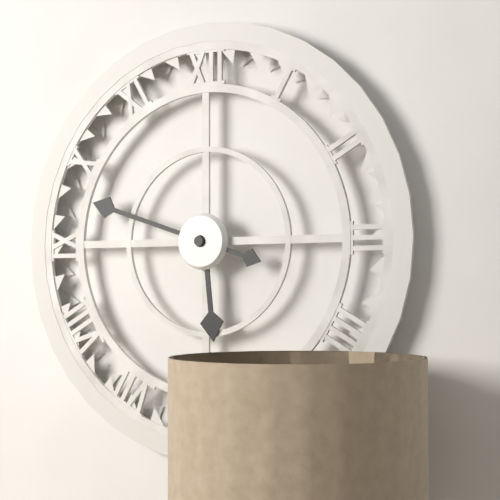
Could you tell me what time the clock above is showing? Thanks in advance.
5:48
